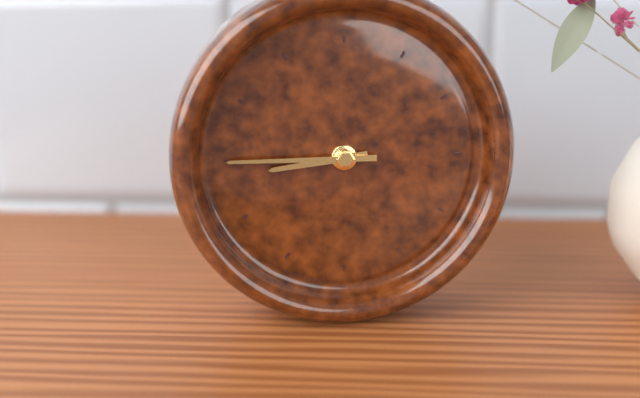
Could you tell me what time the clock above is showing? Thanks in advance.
8:45
